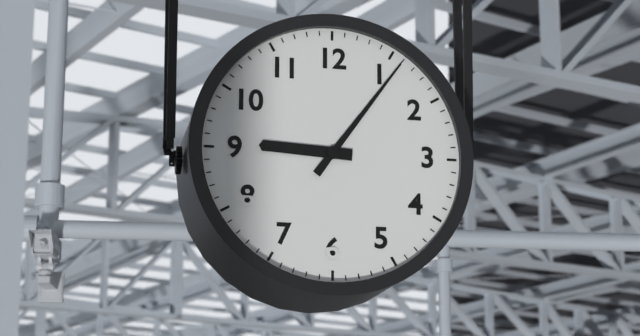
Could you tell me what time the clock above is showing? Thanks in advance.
9:06
